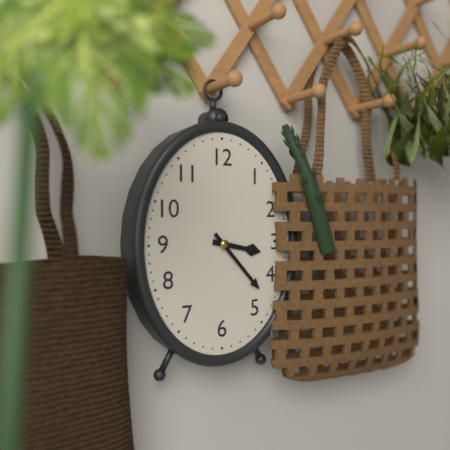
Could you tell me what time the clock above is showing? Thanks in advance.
3:23
